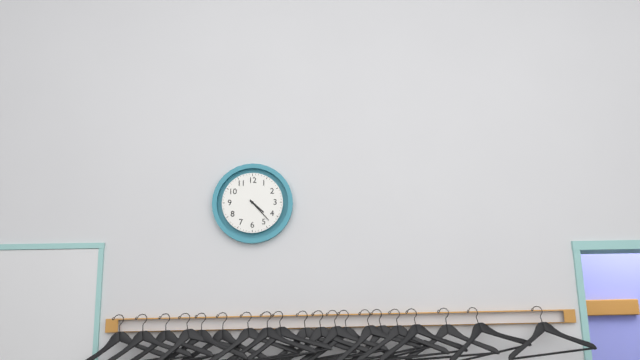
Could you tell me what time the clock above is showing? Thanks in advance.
4:23
